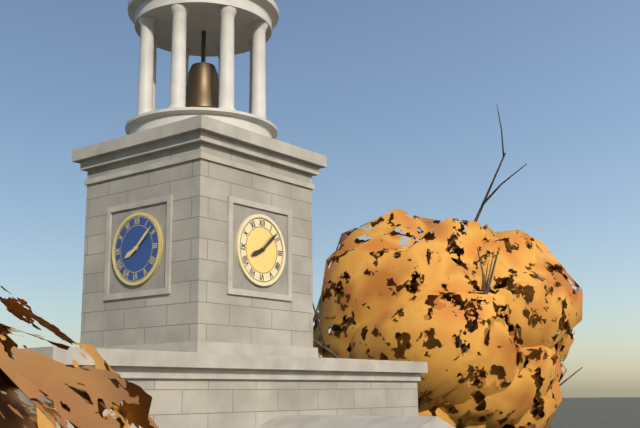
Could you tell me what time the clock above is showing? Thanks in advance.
8:08
